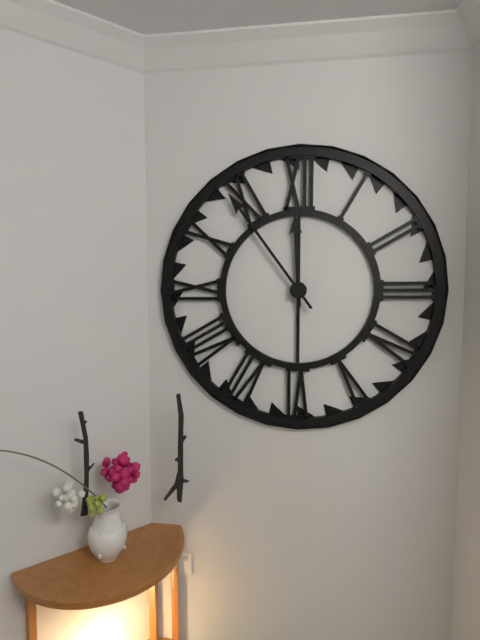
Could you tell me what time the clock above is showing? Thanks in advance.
11:54
